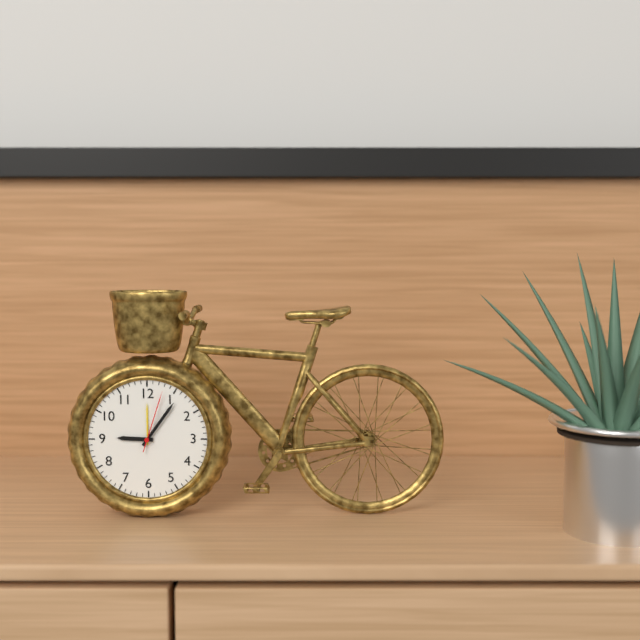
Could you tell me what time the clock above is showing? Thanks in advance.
9:06:03
